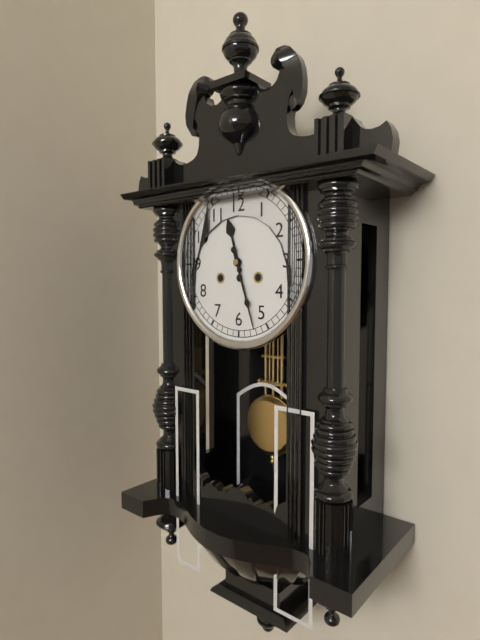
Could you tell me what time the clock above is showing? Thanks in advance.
11:27
